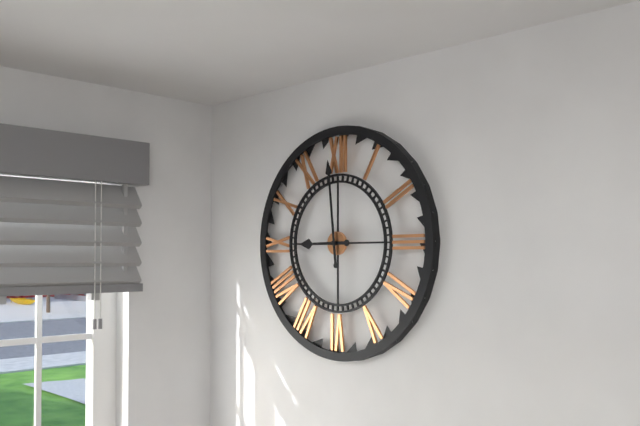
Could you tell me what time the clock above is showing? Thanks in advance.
8:59
